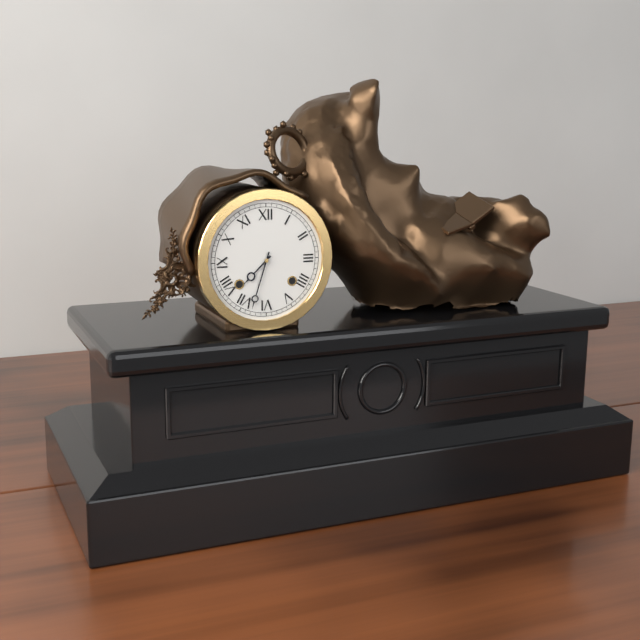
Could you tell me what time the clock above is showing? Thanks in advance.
7:33
